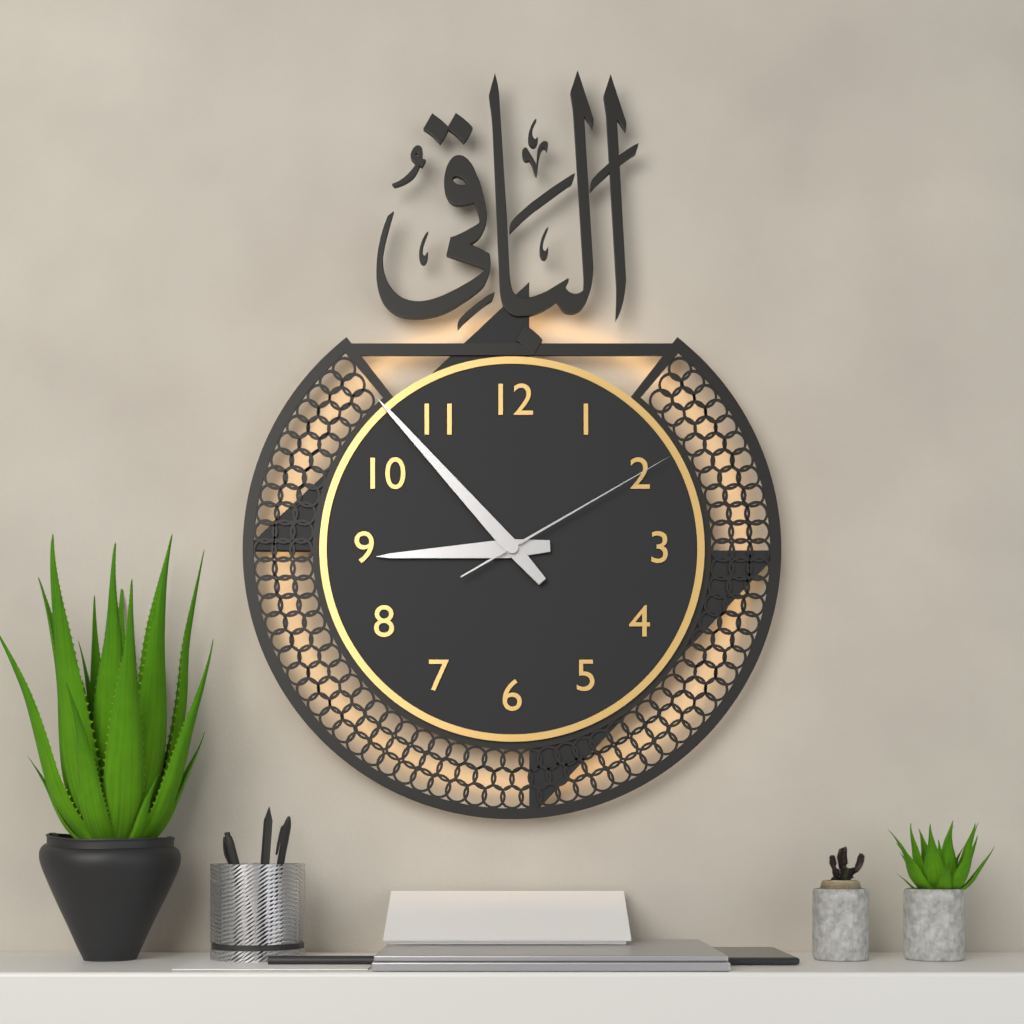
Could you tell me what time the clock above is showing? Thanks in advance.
8:53:10
